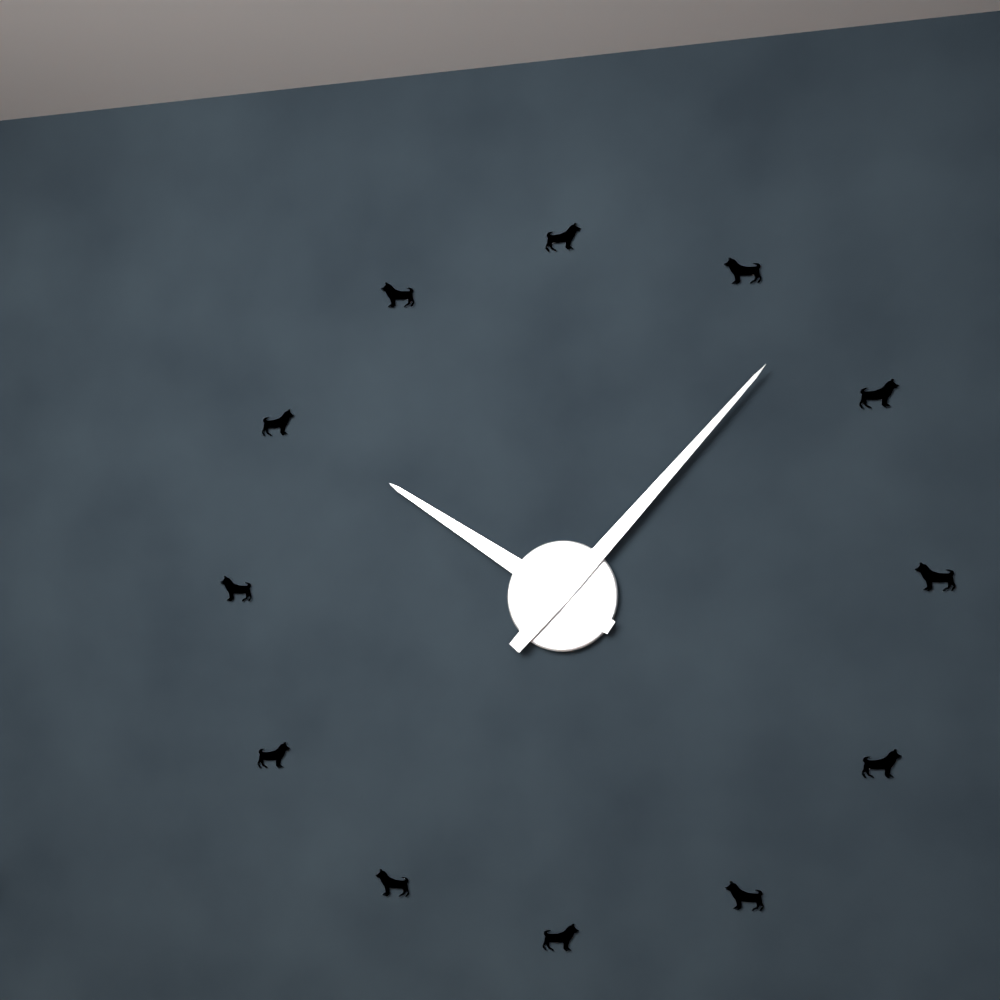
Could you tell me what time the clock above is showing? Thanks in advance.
10:07
